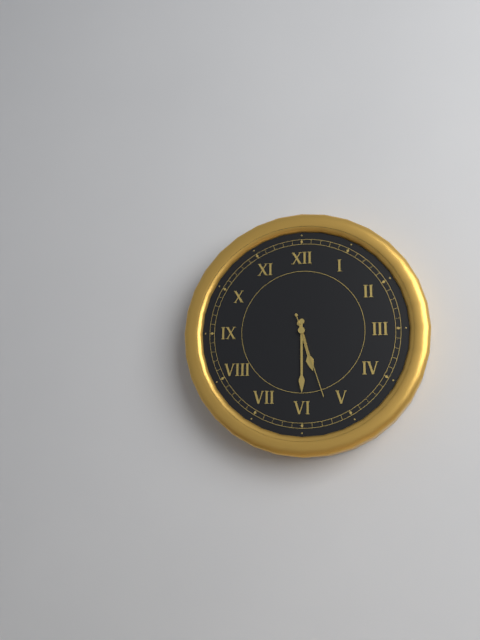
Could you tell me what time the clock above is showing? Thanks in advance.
5:30:27
